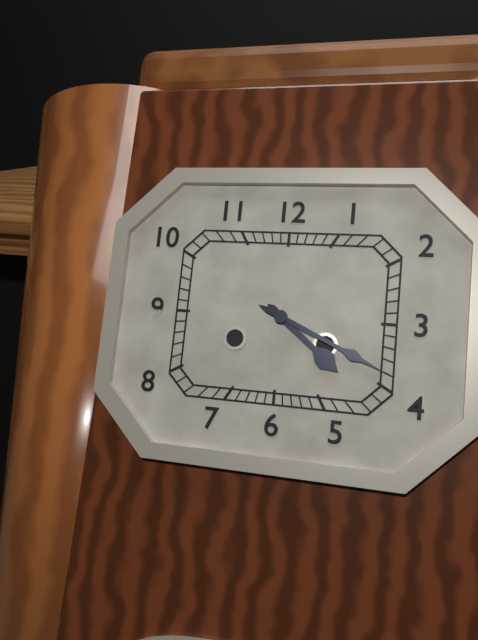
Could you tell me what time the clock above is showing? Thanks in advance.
4:19
